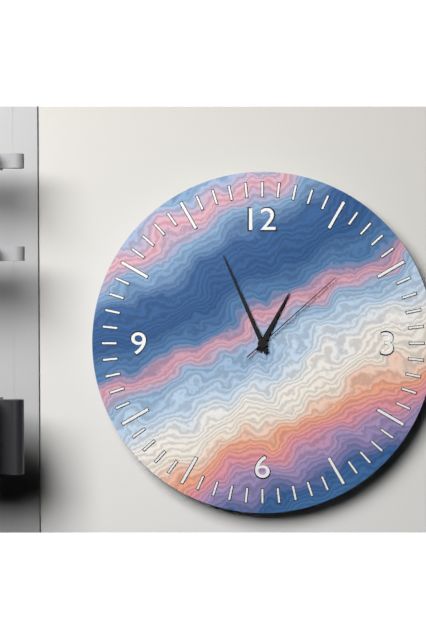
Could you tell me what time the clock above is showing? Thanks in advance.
12:56:08
